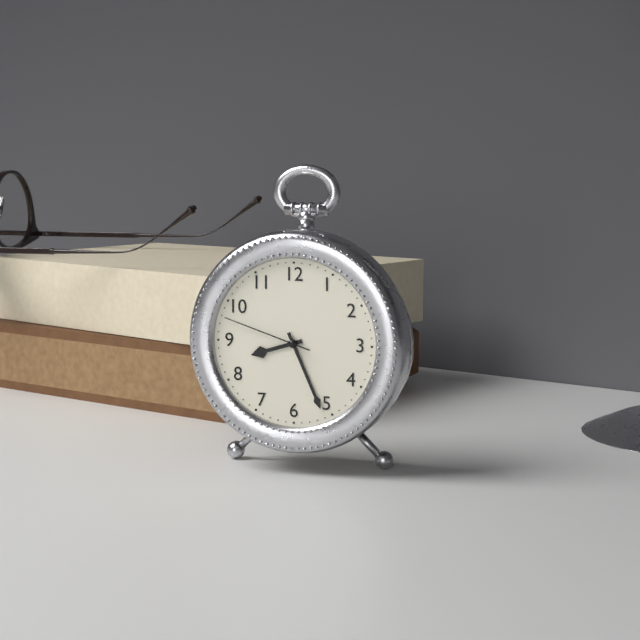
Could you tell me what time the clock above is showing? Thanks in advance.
8:26:48
